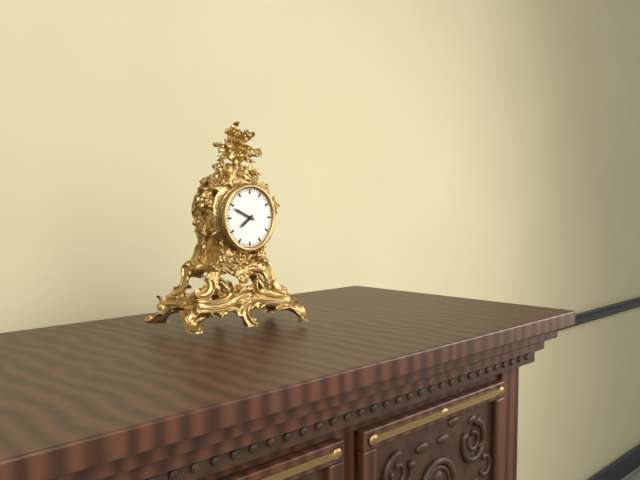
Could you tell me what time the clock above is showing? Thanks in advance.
7:49
